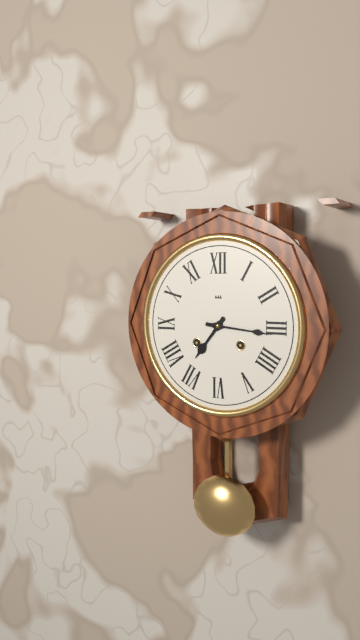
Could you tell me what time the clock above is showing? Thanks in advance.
7:16
